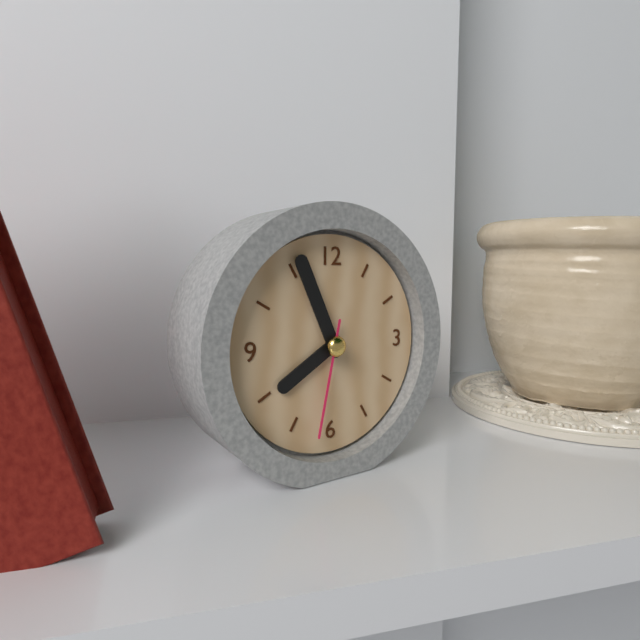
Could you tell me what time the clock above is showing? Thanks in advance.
7:56:32
